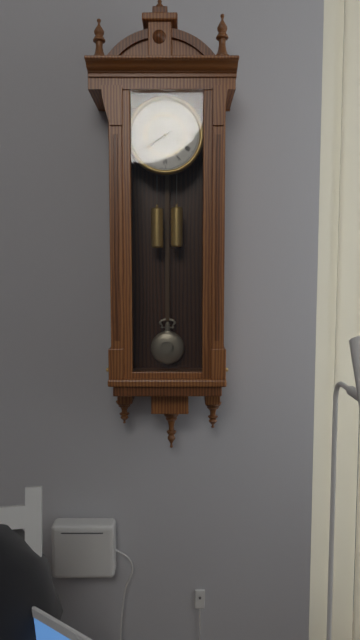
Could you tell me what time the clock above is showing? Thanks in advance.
7:52
